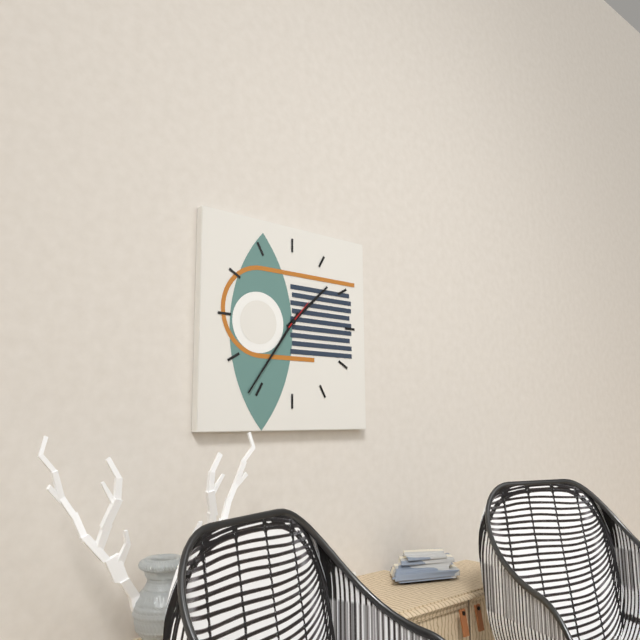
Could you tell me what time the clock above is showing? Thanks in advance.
1:36
